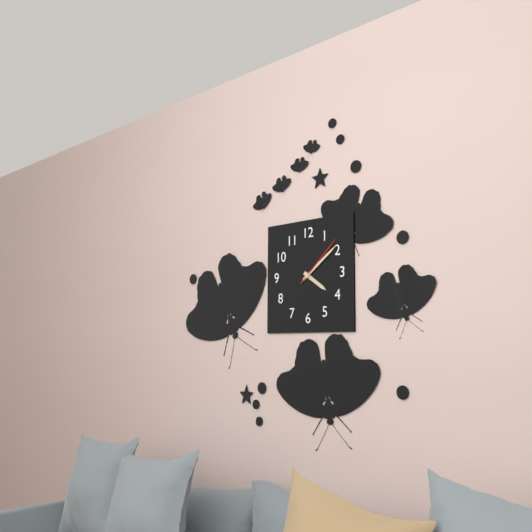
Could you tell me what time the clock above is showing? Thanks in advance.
4:09:08
